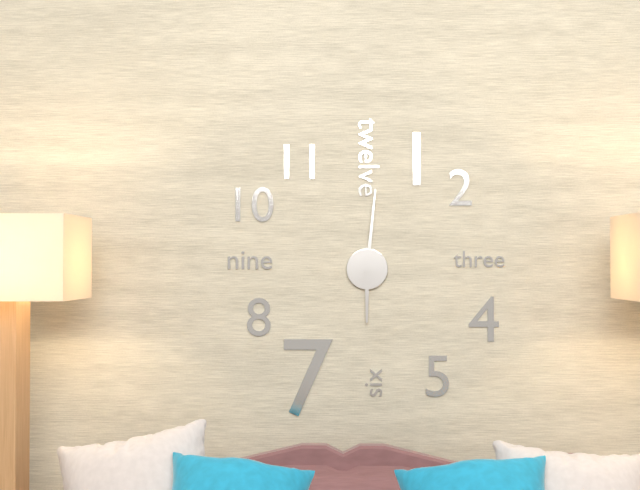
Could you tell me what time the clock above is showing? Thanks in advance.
6:01
